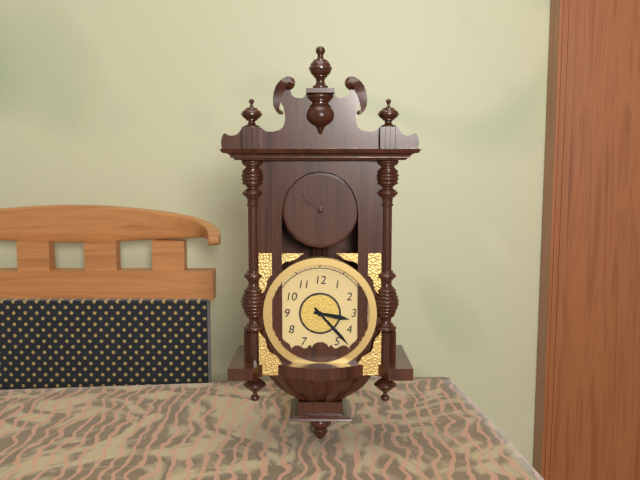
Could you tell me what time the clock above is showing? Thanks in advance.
3:23
